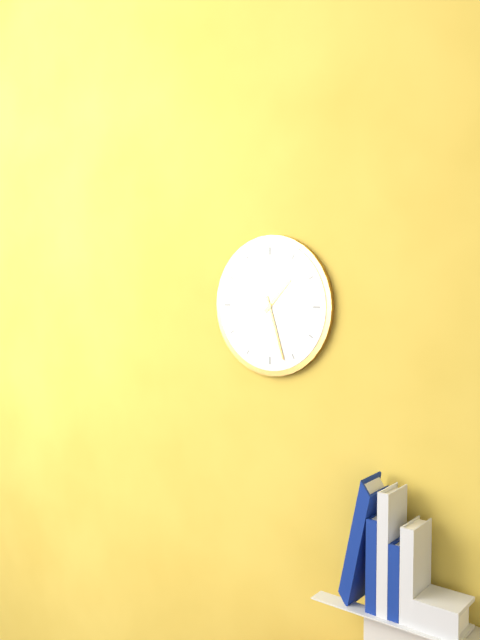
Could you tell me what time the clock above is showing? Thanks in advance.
1:27
